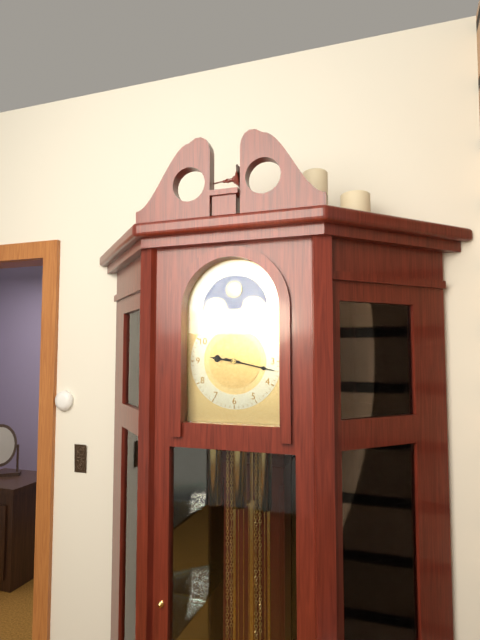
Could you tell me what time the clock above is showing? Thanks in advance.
9:17
